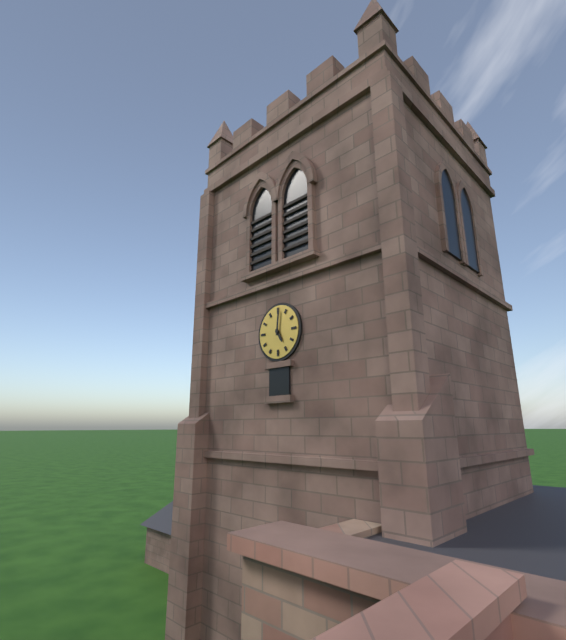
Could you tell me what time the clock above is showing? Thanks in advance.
5:01
